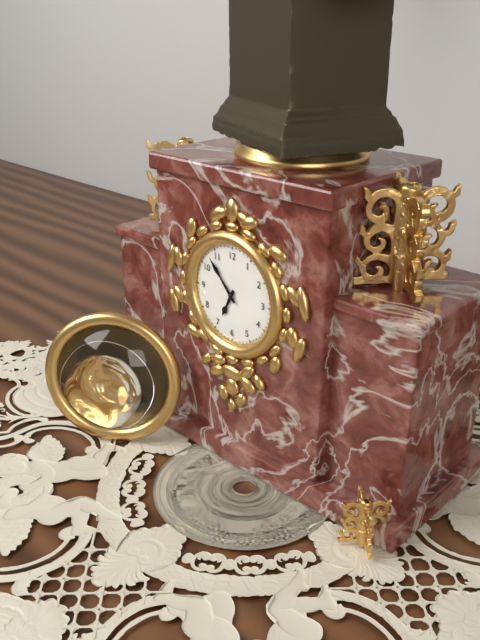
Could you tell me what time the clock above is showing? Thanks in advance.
6:53
